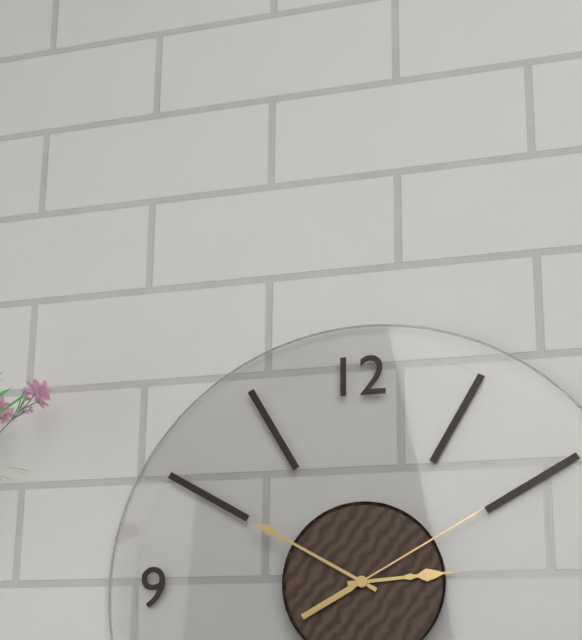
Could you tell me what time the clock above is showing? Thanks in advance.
2:50:10
